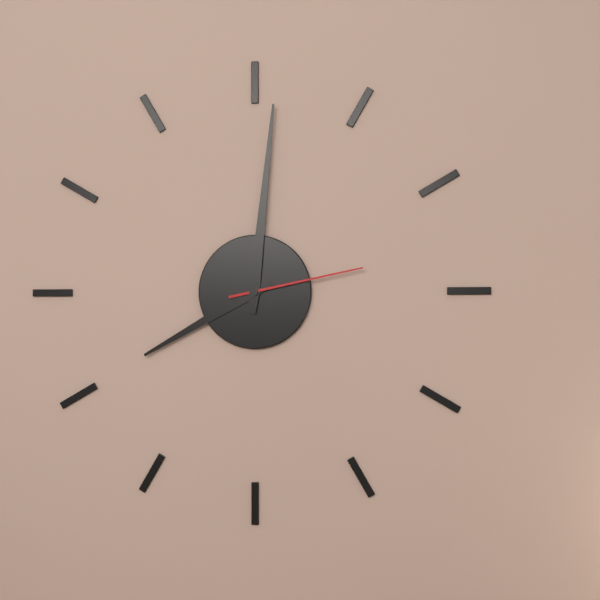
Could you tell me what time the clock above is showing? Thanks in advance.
8:01:13
